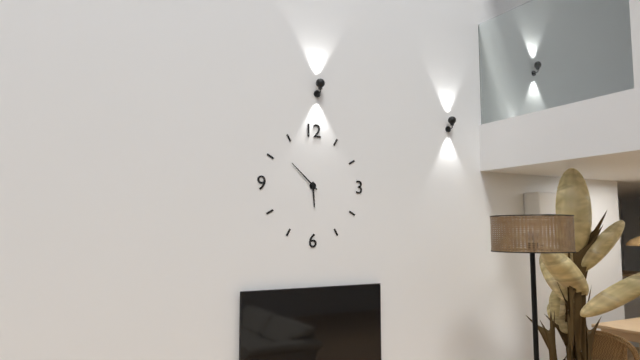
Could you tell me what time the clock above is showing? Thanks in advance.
5:52
